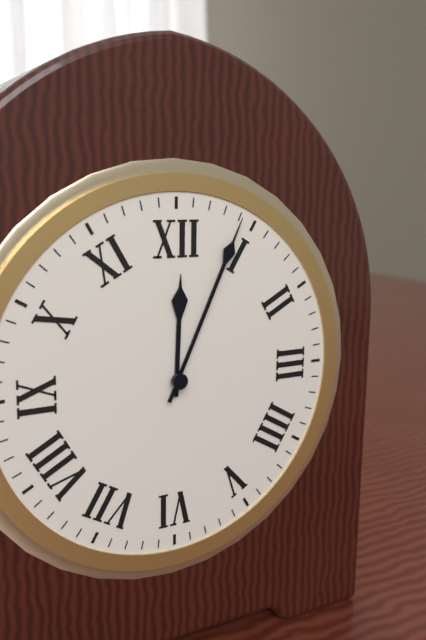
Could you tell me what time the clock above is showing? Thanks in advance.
12:04
